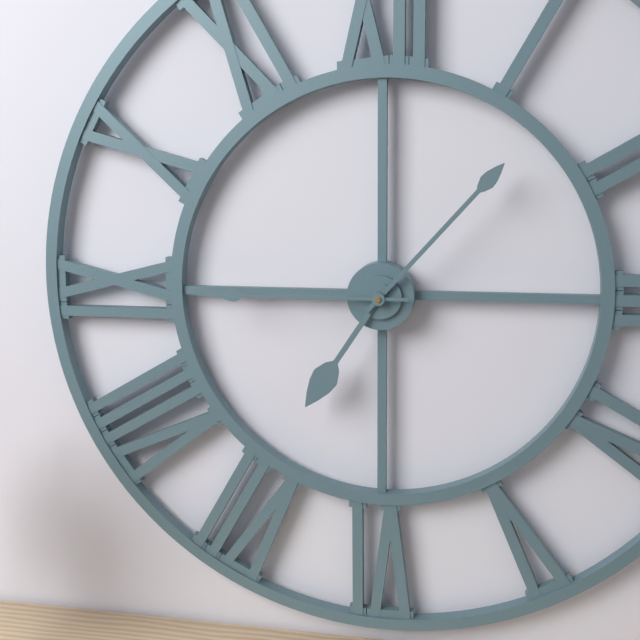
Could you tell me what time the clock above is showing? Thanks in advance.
7:07:45
